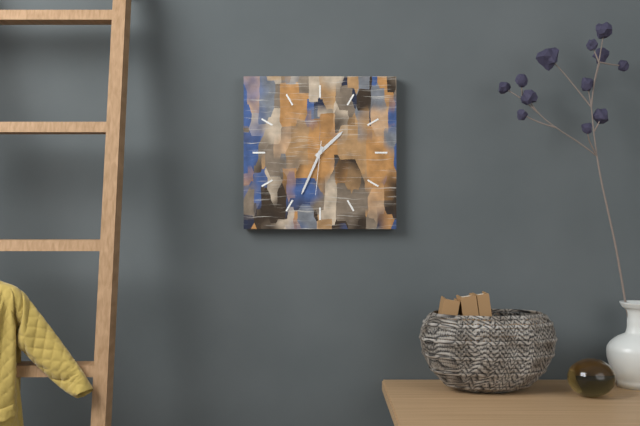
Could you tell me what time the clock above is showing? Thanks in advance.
1:34:31
